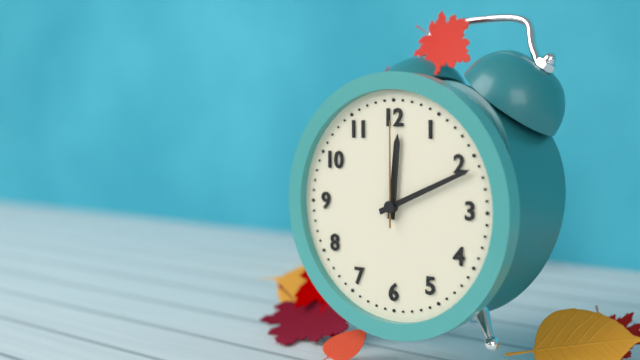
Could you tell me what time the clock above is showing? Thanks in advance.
12:11:00
